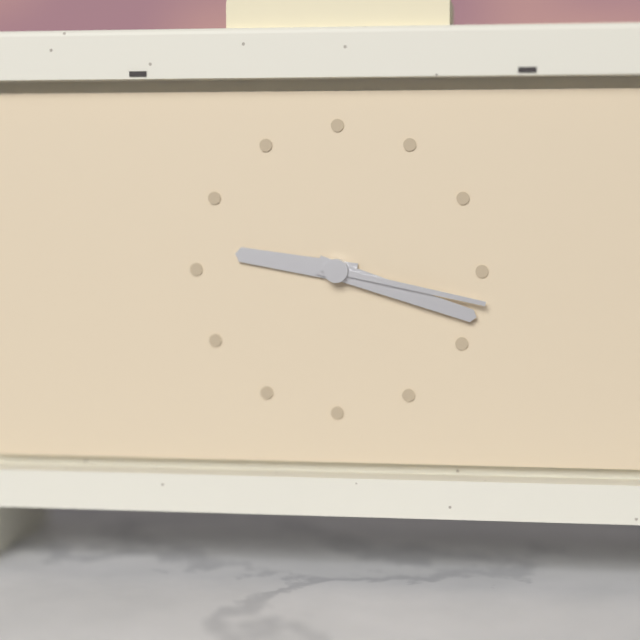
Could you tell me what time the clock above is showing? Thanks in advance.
9:18:17
